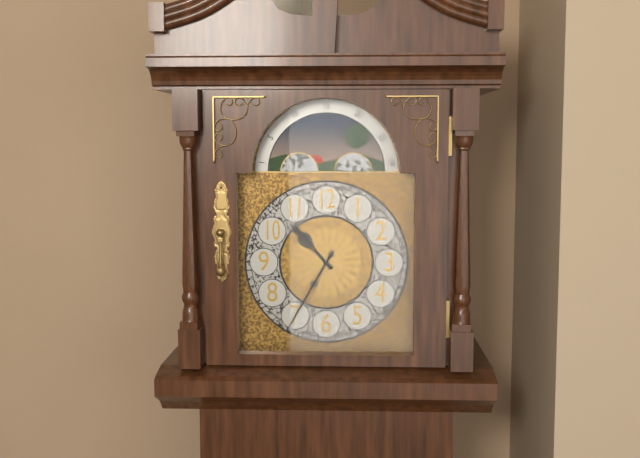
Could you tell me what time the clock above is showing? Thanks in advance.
10:35
